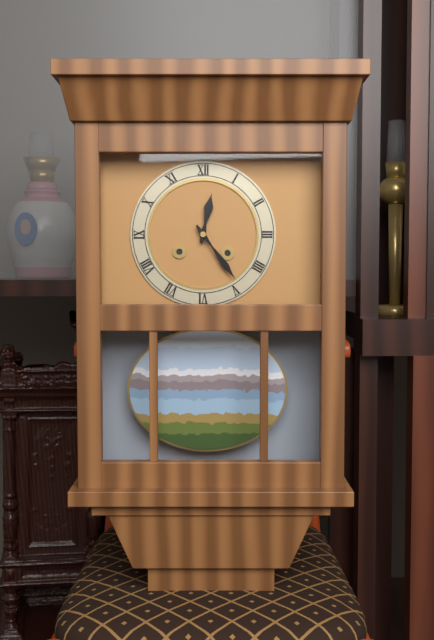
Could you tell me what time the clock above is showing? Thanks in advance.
12:24
